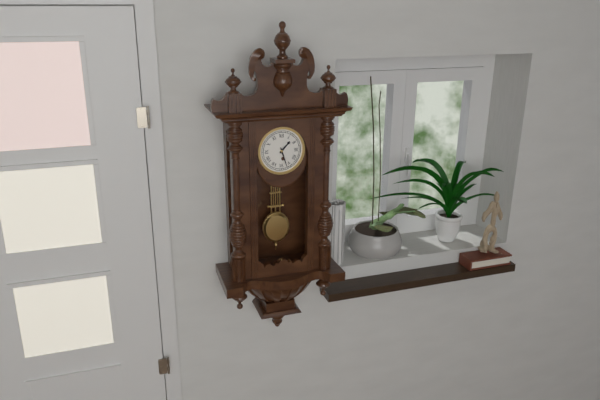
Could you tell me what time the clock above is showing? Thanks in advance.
1:27
